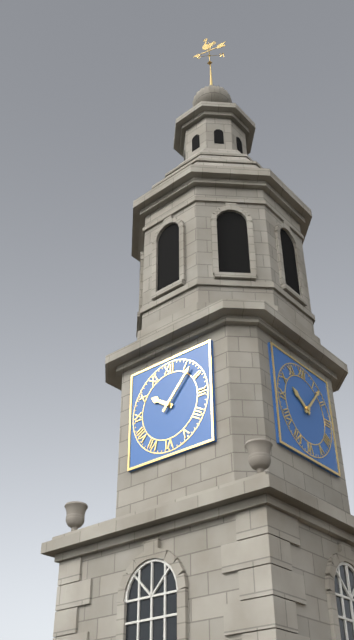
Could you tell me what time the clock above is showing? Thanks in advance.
10:07
